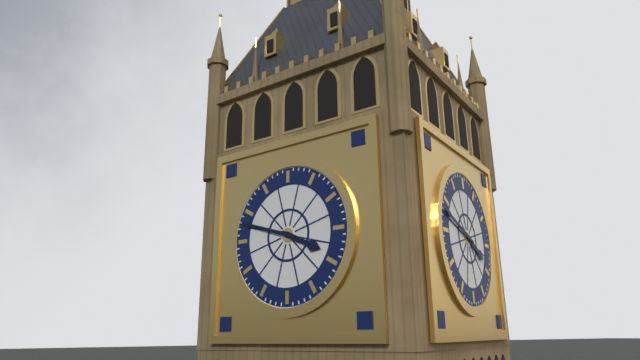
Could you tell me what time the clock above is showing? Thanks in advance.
3:48
